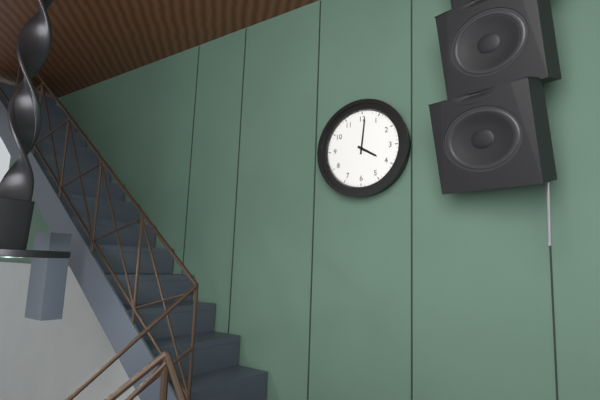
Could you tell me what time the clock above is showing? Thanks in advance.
4:01
